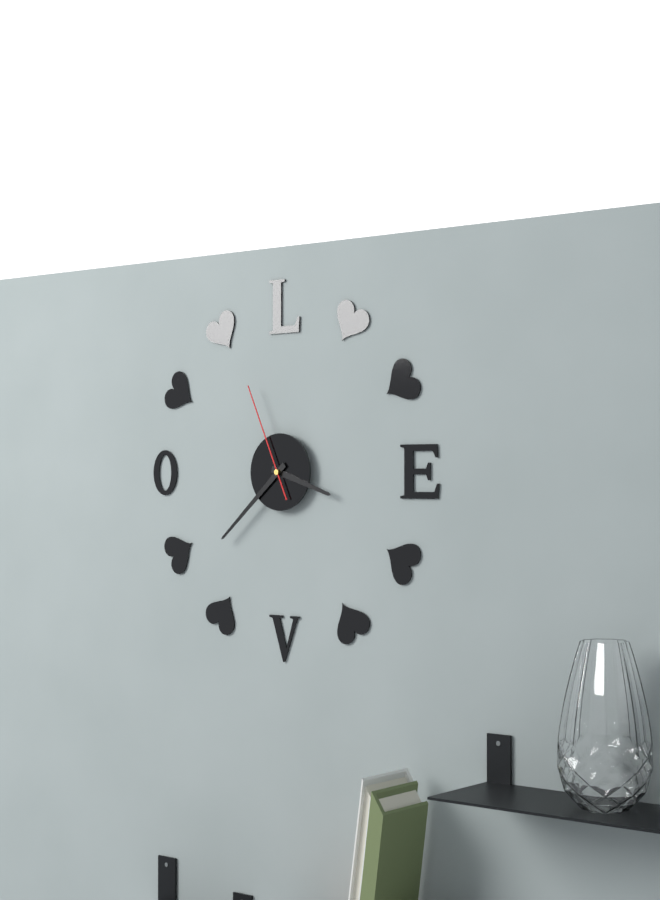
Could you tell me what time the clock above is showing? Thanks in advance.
3:38:56
